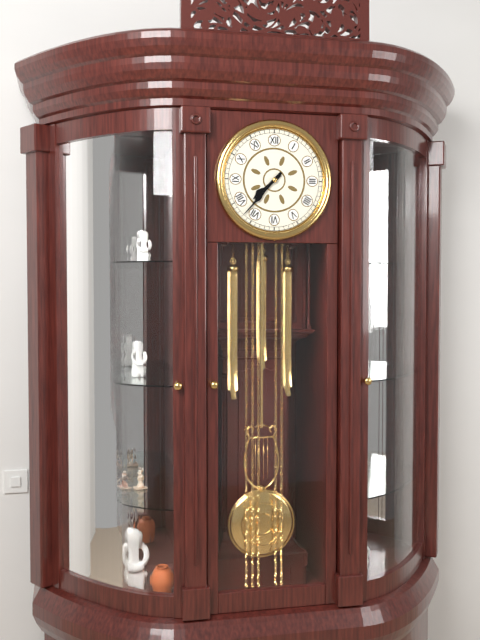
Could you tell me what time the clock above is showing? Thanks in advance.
7:37
